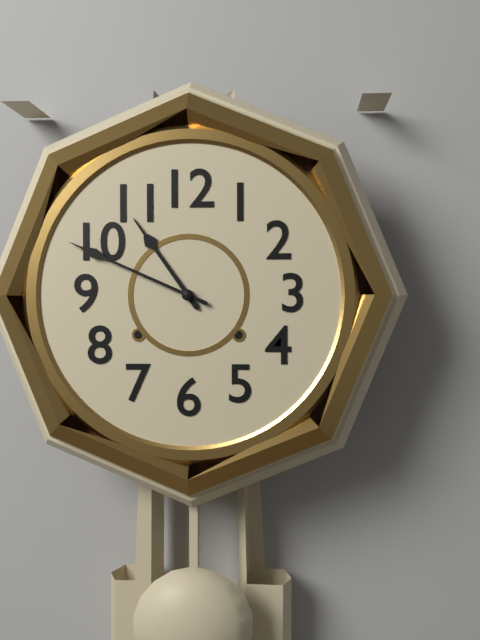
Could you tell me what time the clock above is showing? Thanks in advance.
10:49
